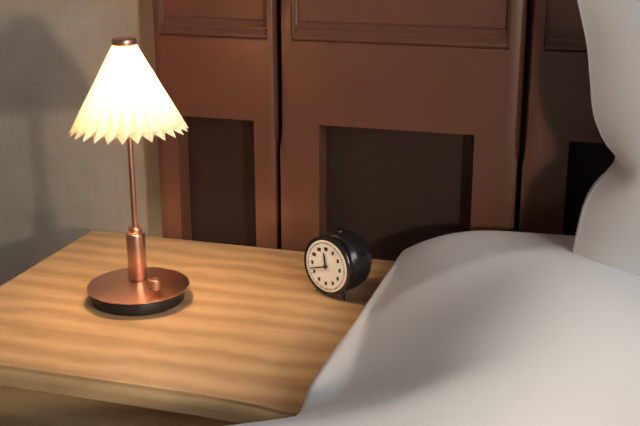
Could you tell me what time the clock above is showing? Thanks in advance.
11:42
